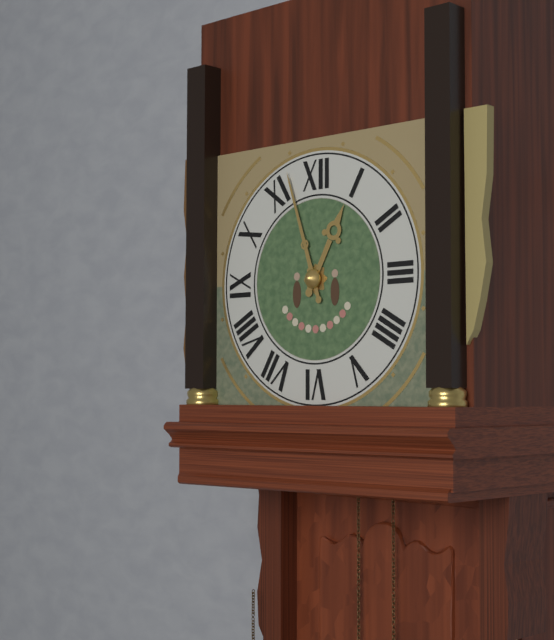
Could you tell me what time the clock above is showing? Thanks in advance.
12:57
